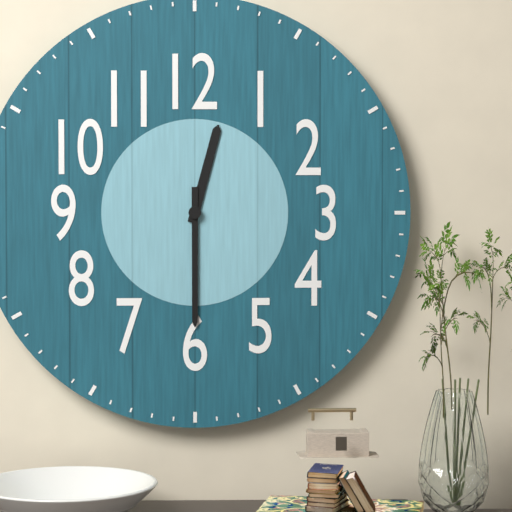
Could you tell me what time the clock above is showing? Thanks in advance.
12:30
